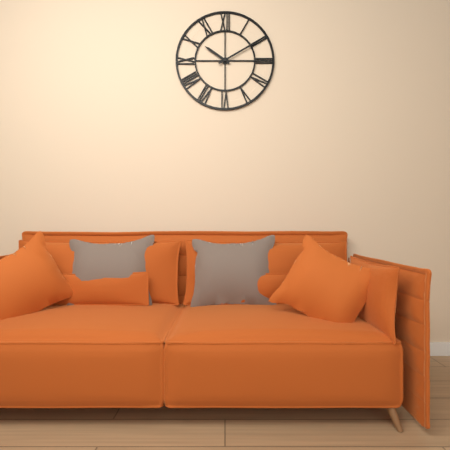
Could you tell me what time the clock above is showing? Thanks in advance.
10:10
